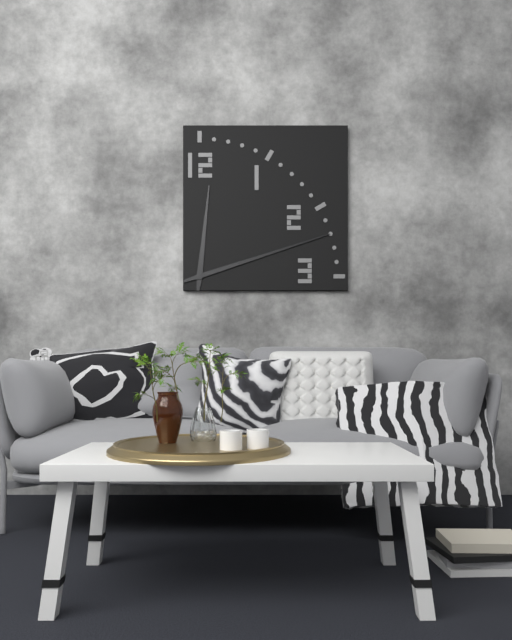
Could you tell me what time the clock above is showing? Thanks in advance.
12:12
